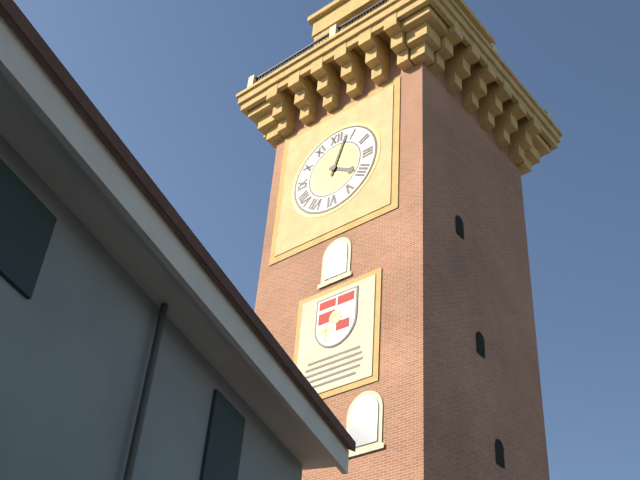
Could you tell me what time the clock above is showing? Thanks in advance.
4:03
